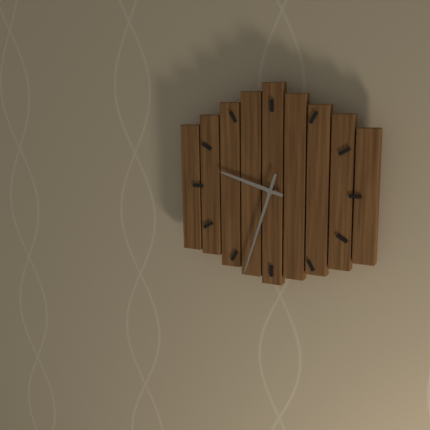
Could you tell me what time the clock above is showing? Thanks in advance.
9:33
